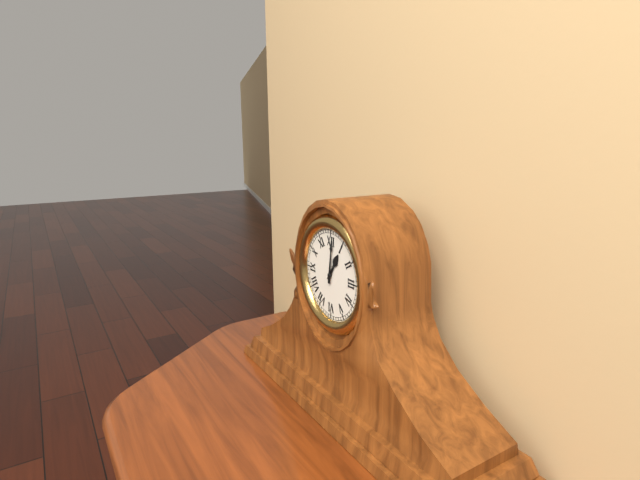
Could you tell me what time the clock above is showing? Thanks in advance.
1:01
